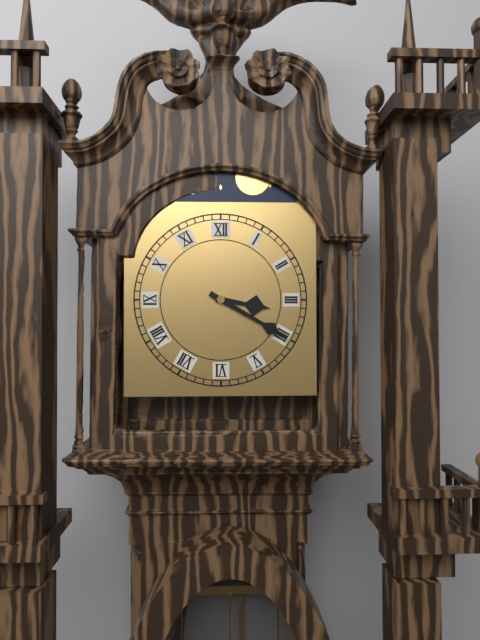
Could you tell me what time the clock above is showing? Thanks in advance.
3:20
